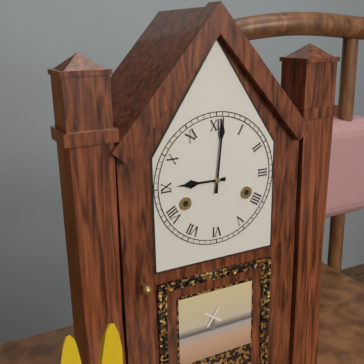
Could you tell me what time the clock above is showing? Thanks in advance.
9:01
